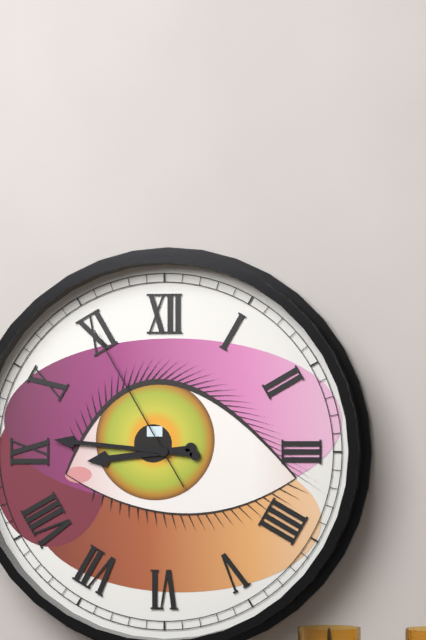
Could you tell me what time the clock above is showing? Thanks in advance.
8:46:55
